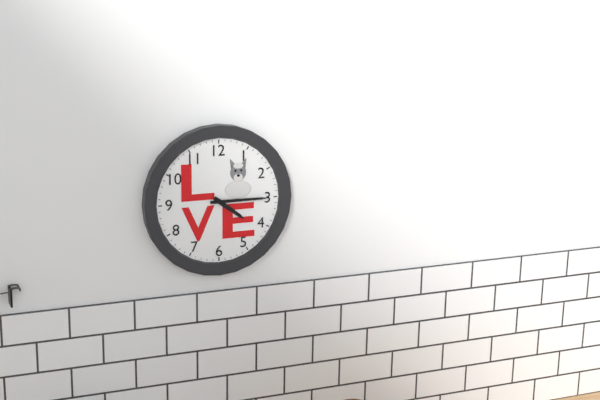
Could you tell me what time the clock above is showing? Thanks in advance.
4:15
